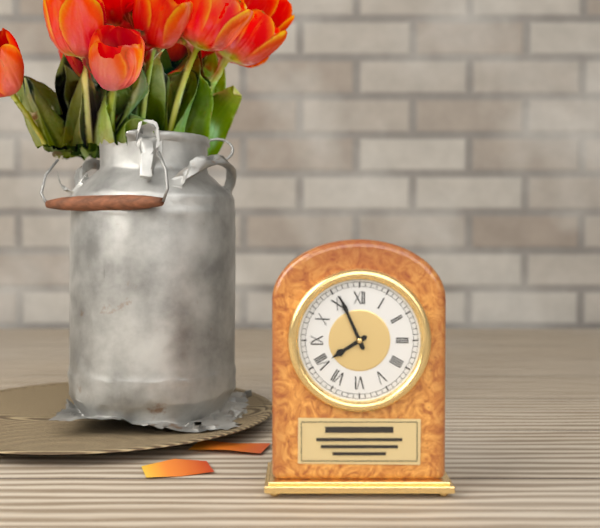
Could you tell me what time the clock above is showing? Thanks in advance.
7:56
